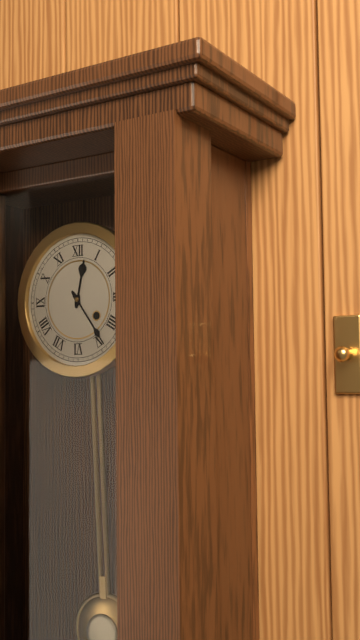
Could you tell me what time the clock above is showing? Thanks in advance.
12:24
